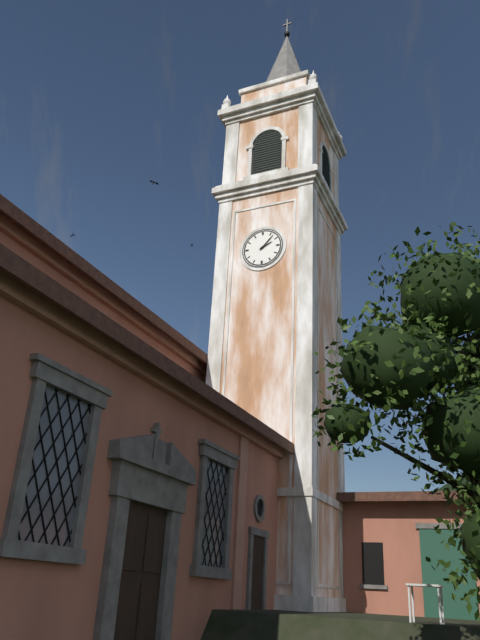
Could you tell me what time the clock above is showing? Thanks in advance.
2:07
